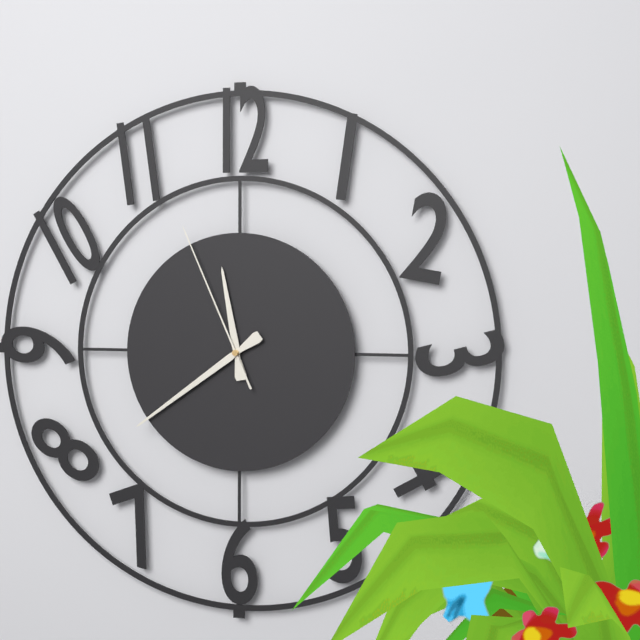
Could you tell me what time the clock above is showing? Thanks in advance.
11:39:56
